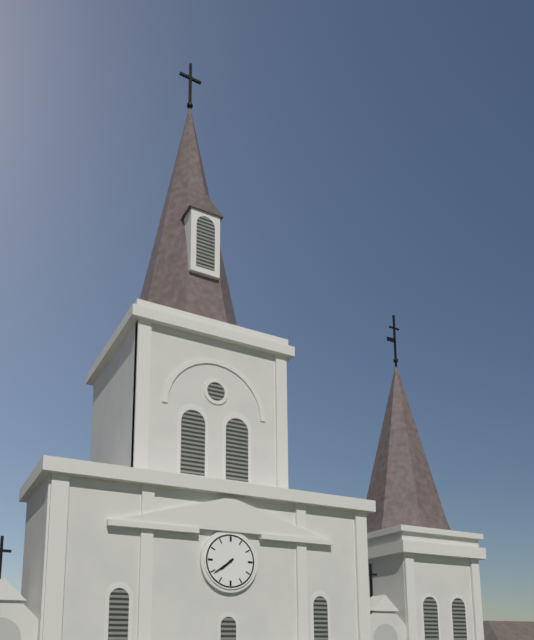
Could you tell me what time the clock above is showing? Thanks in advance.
7:39
